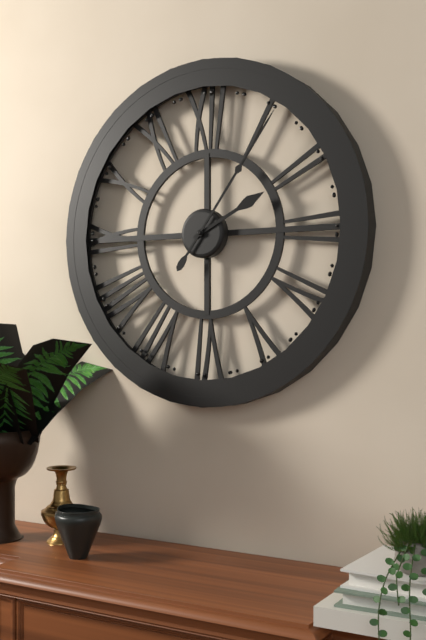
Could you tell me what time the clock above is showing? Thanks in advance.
2:06
